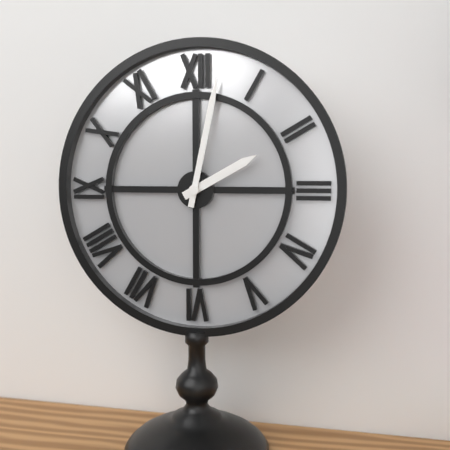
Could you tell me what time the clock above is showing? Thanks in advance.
2:02
